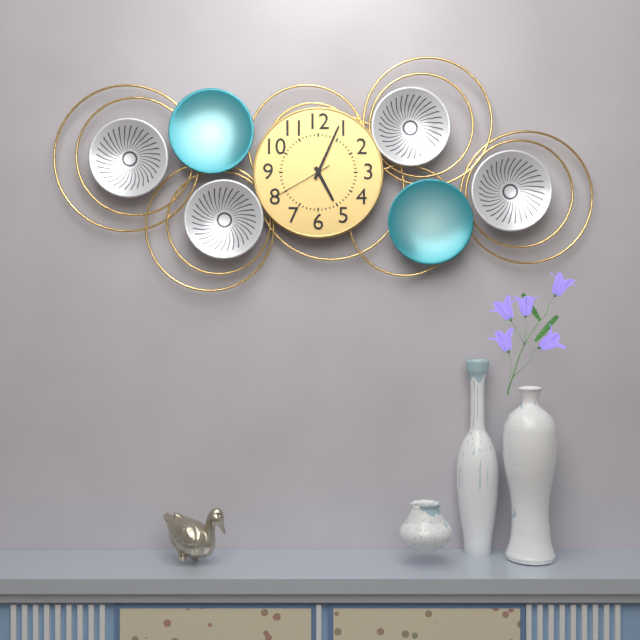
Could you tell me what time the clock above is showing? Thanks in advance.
5:04:40
